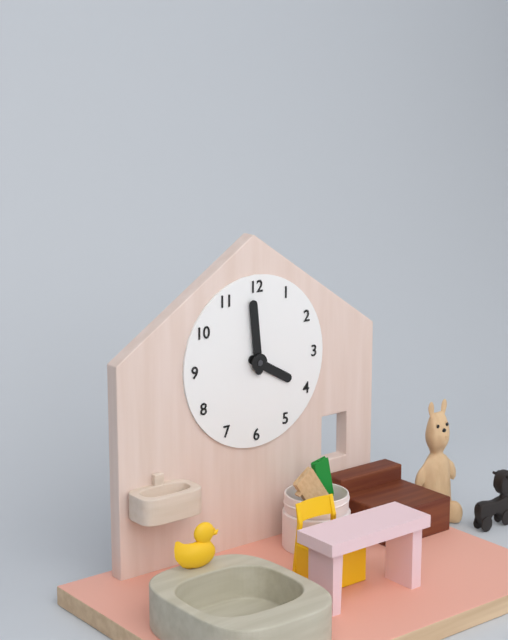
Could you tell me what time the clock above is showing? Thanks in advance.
3:59
